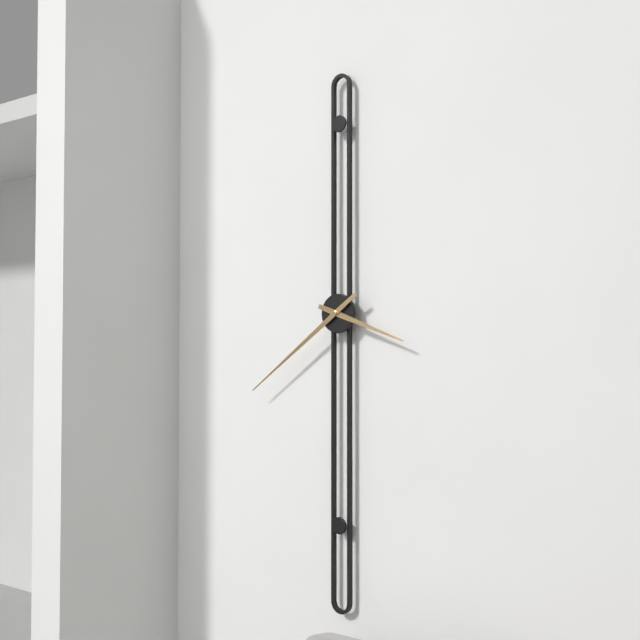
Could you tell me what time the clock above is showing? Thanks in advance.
3:39
